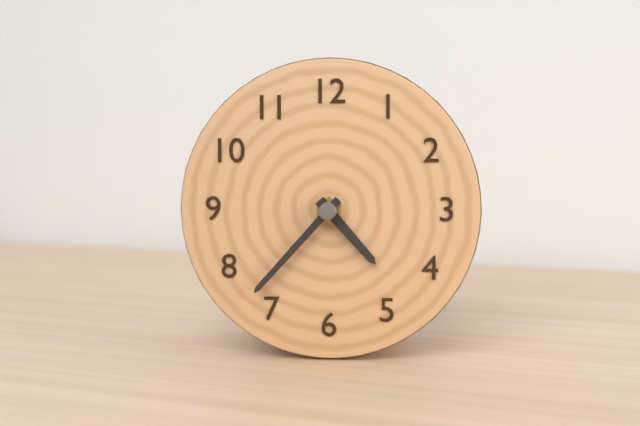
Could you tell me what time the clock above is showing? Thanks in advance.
4:37
